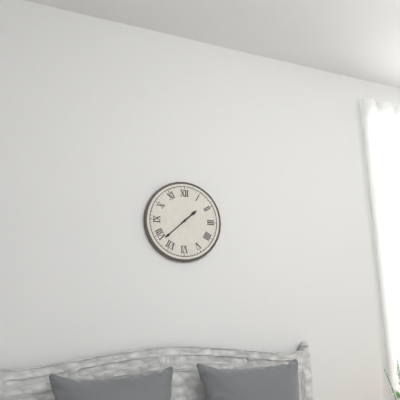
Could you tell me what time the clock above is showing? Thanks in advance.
1:38
